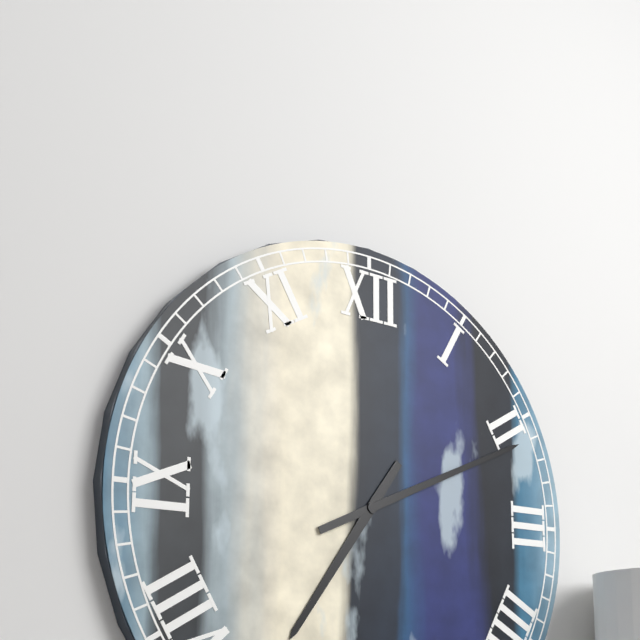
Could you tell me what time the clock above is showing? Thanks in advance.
7:11
